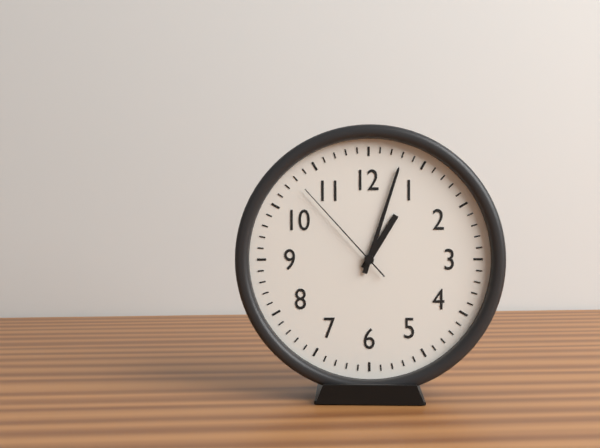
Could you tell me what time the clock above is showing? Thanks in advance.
1:03:53
